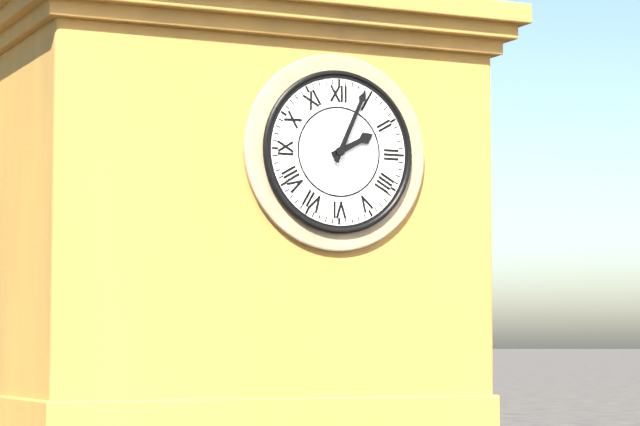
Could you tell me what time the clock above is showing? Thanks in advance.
2:04
